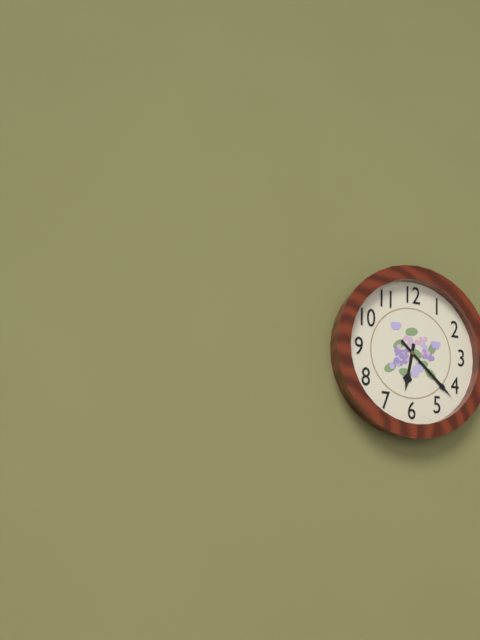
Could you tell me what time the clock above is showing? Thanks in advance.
6:22
